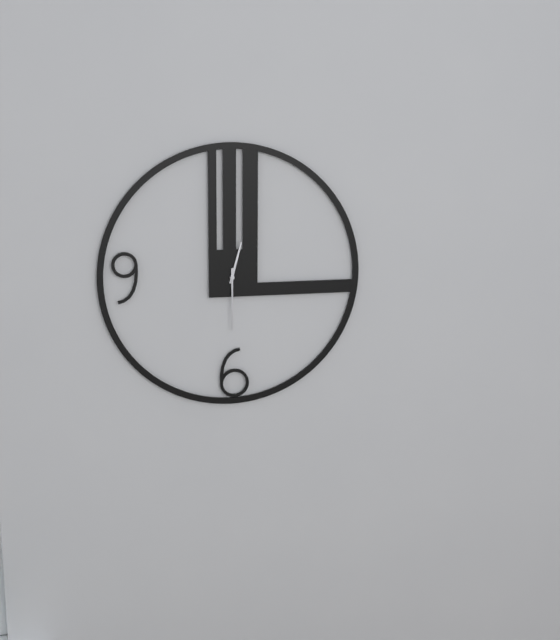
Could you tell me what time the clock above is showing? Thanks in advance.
12:30
